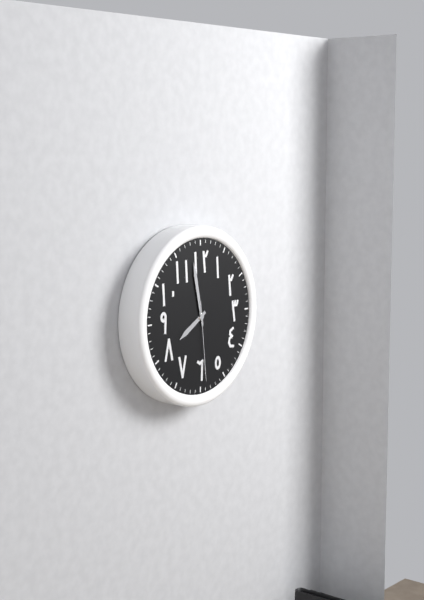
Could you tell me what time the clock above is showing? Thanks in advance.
7:58:29
